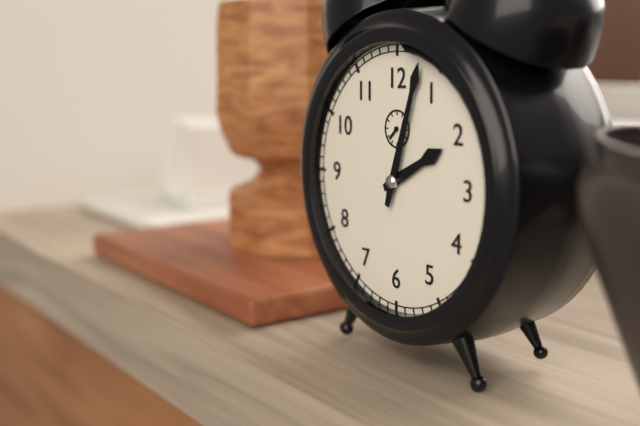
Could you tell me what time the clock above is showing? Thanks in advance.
2:03
